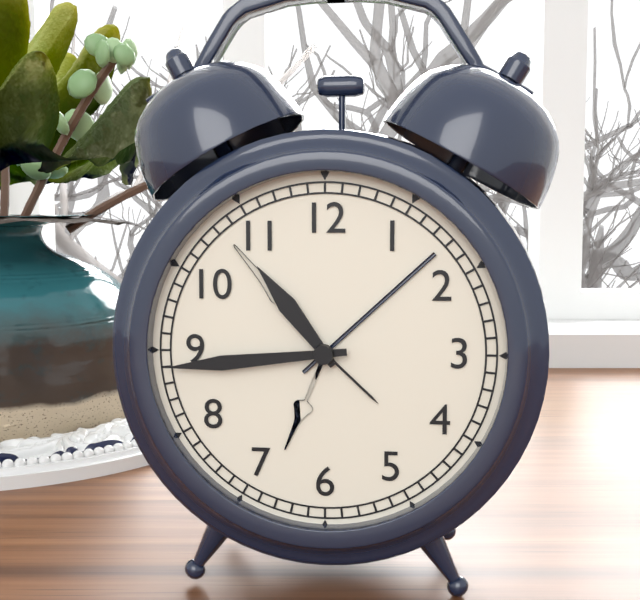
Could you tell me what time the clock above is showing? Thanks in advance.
10:44
